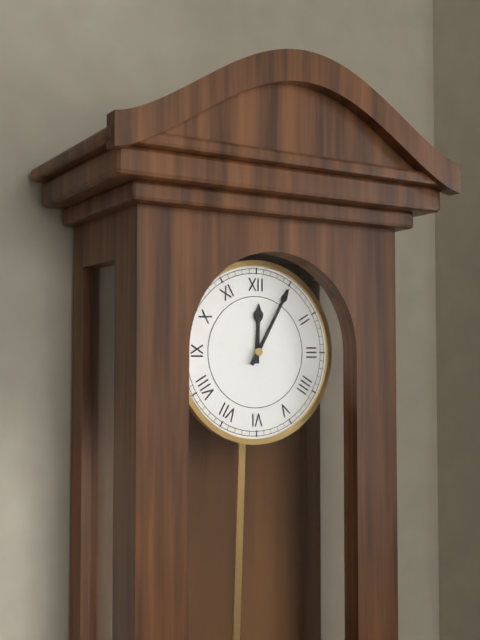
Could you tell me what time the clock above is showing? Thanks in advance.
12:05
